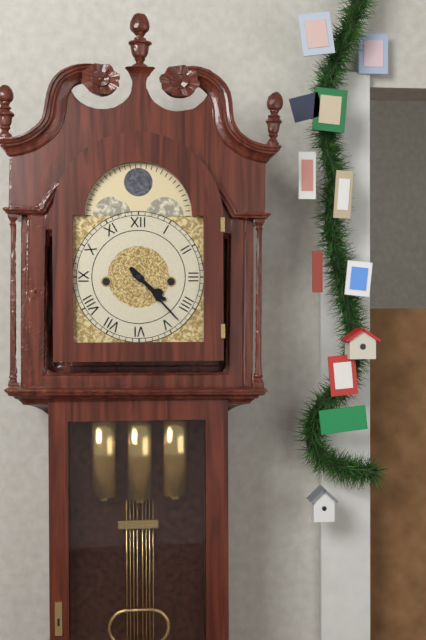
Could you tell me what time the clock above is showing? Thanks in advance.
4:23
